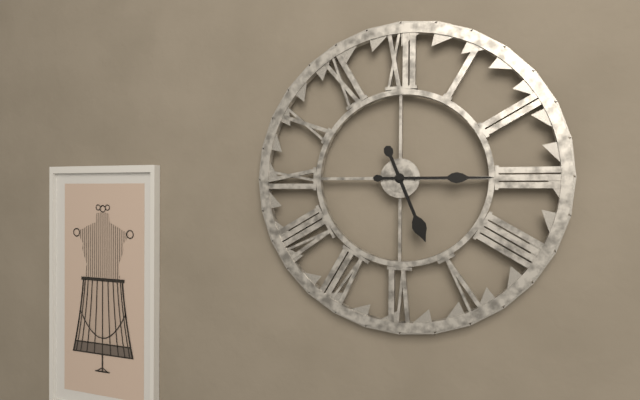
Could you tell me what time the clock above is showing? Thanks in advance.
5:15
